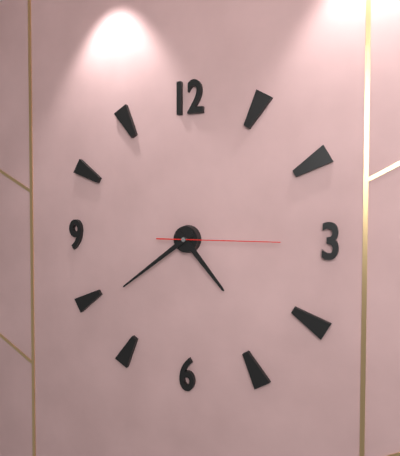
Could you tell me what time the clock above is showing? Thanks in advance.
4:39:15
